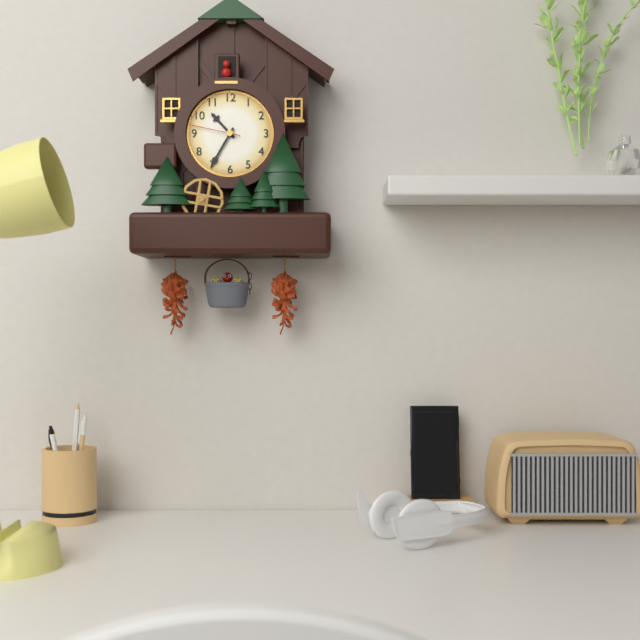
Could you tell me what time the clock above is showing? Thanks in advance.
10:35:47
